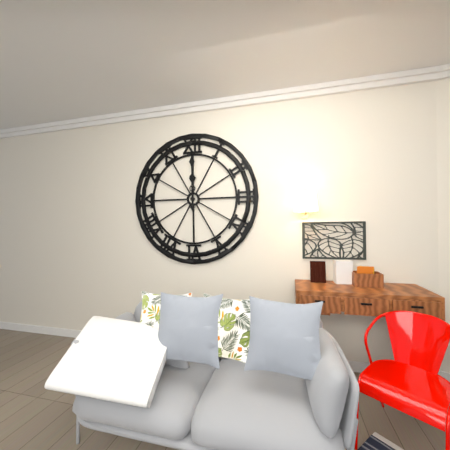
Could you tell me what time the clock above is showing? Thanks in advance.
12:00
